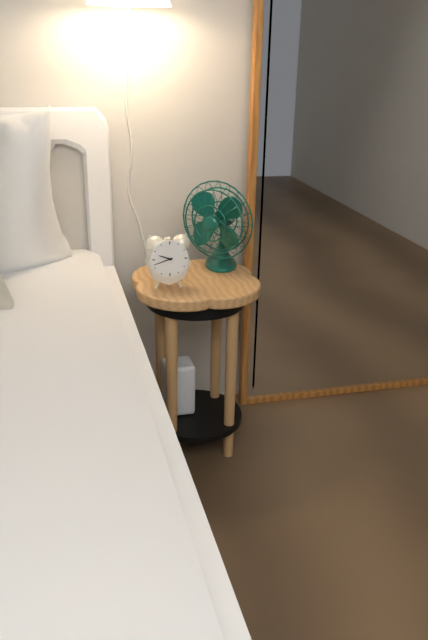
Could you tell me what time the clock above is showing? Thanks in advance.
9:42
